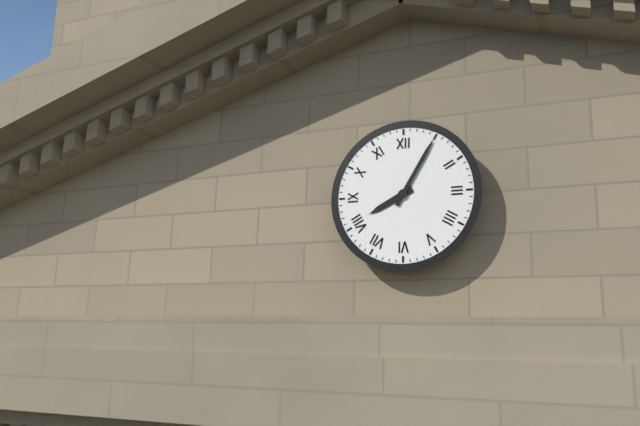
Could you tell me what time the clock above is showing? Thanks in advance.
8:05
